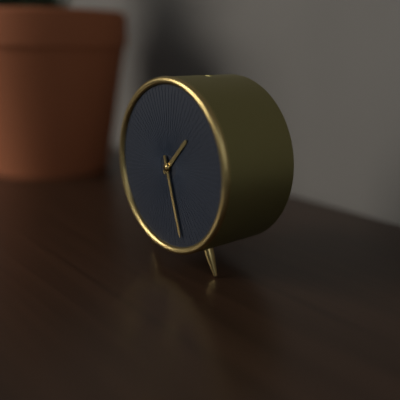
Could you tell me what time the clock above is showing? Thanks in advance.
1:27
